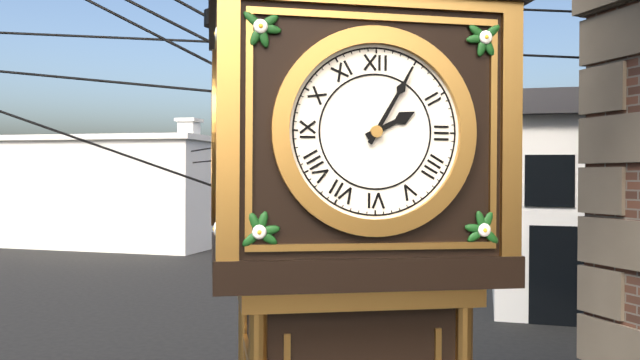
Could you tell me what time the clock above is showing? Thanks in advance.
2:05
